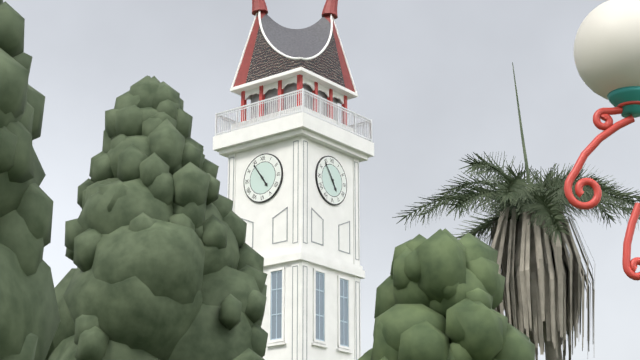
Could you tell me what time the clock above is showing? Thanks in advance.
4:54
